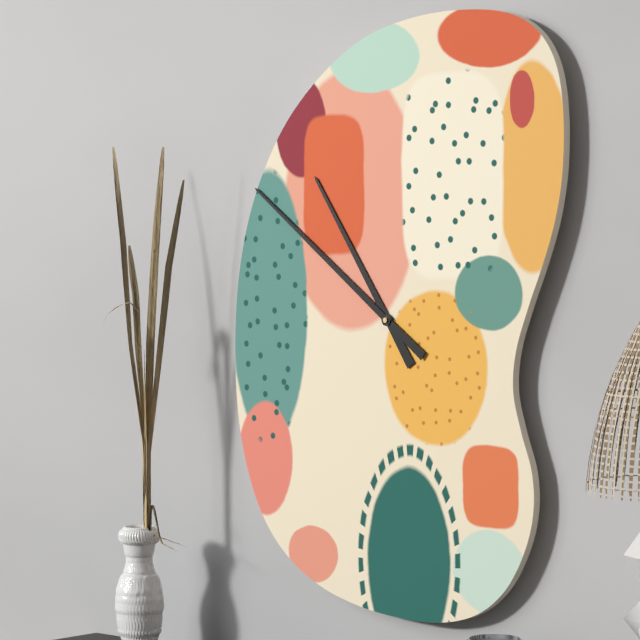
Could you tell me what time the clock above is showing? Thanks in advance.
10:51
